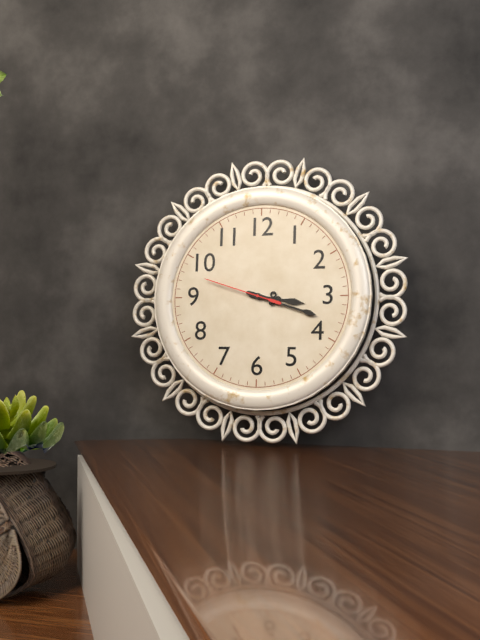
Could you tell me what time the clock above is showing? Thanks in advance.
3:18:48
